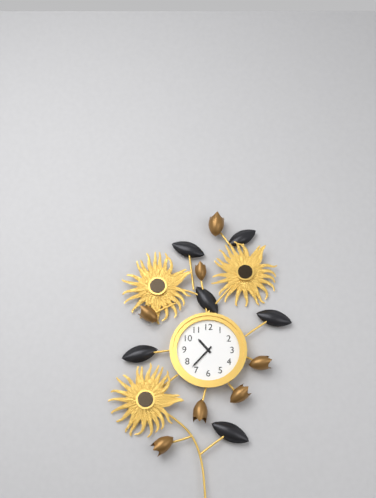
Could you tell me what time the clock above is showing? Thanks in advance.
10:37
